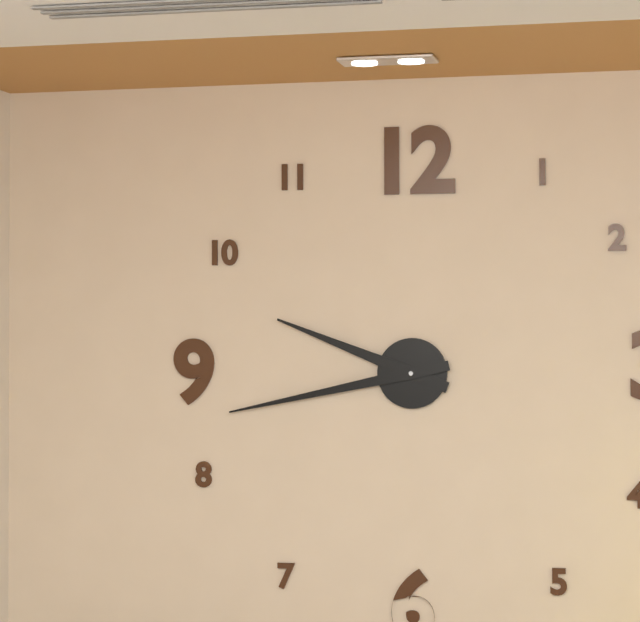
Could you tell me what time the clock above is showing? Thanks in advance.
9:43
